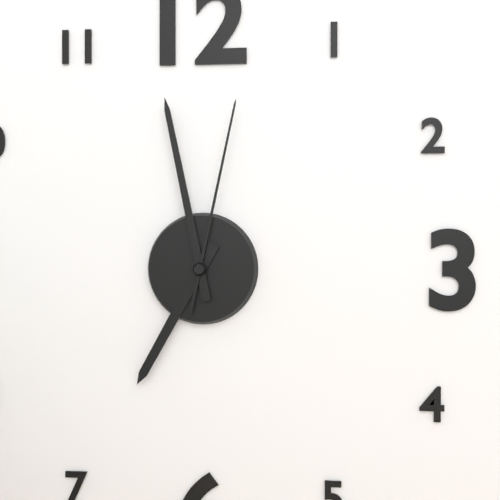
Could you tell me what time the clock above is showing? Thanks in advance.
6:58:02
